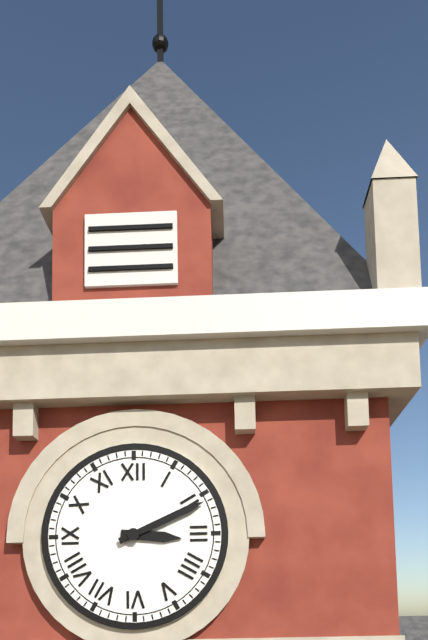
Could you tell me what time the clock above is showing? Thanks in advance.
3:11
